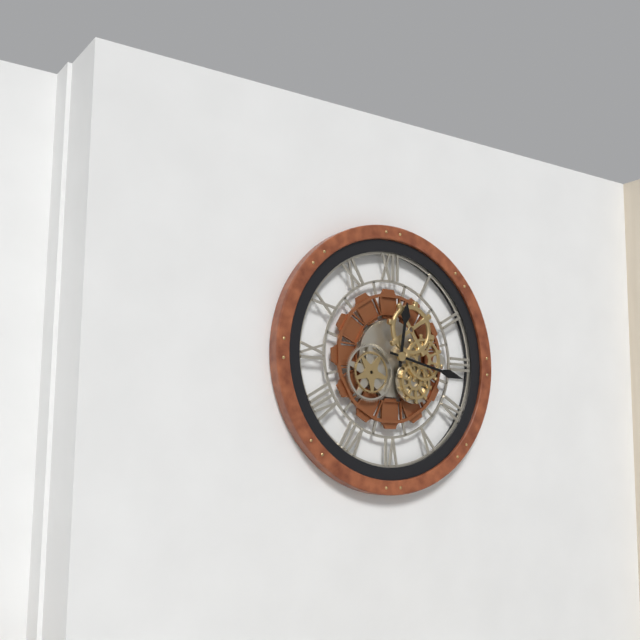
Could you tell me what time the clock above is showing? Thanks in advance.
12:17
